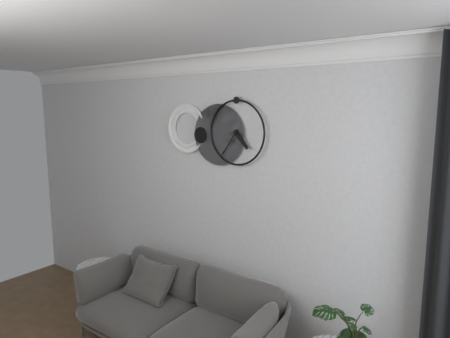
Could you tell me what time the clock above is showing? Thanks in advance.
4:36
